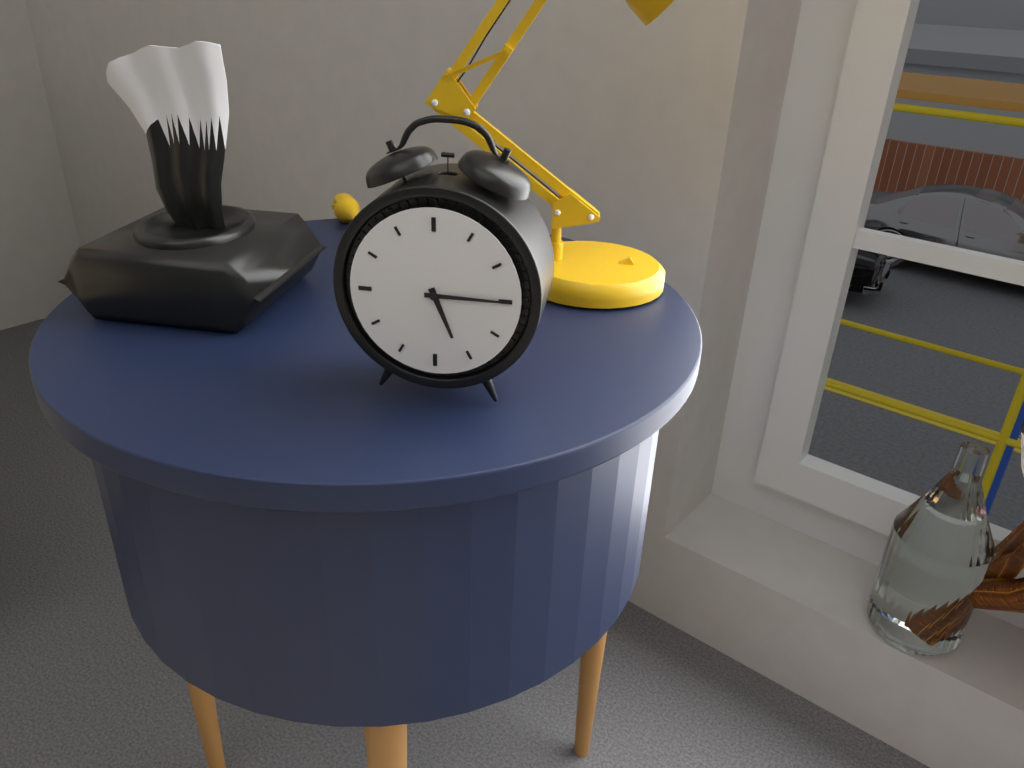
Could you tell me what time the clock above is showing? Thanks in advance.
5:15
